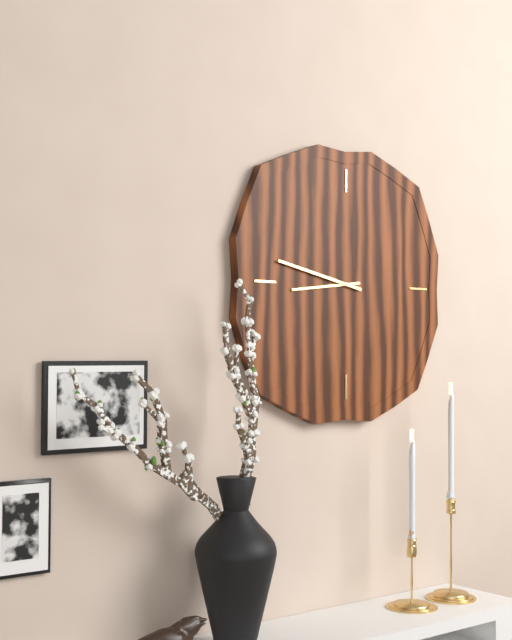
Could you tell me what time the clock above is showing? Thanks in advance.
8:47
